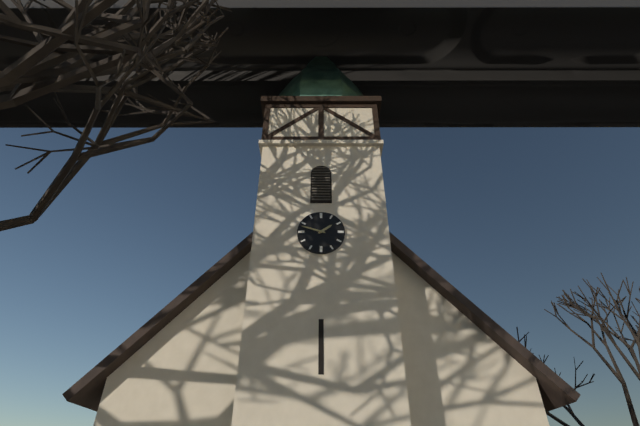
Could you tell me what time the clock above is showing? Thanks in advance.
1:48
